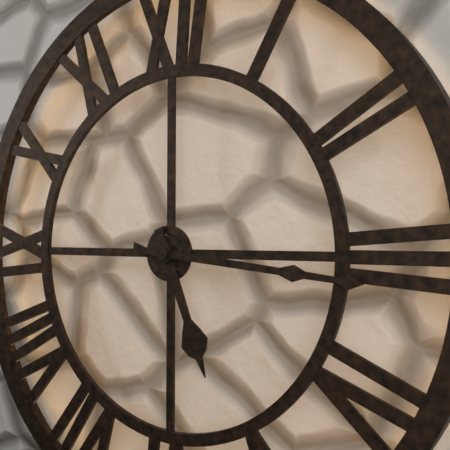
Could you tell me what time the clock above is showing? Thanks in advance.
5:16
